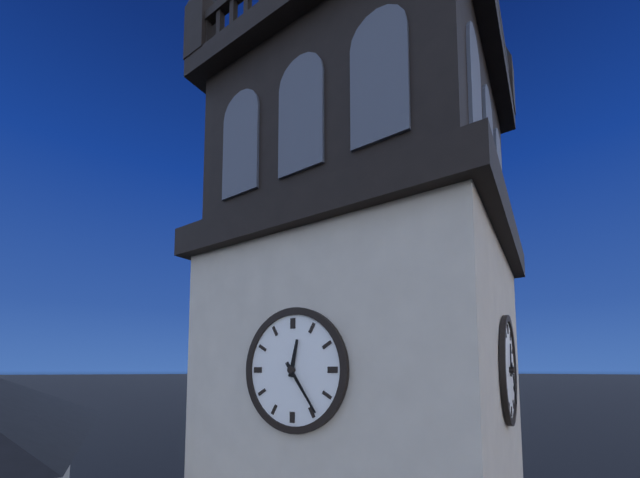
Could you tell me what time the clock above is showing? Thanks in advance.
12:24
